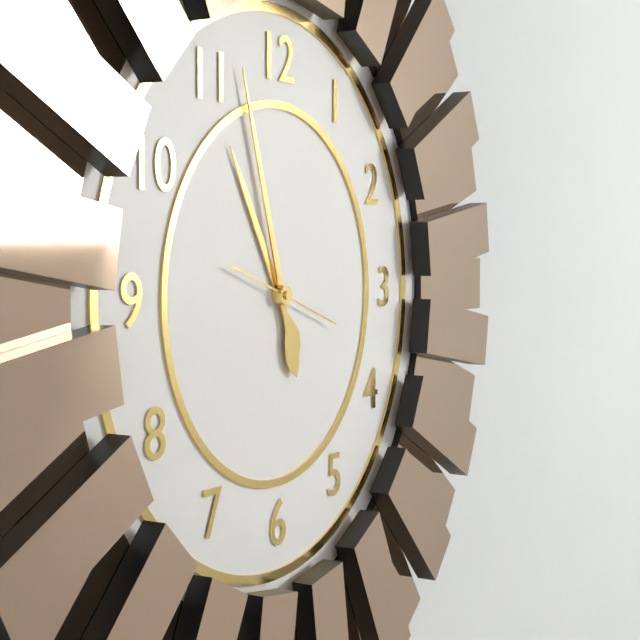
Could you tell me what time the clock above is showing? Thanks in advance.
10:57:18
